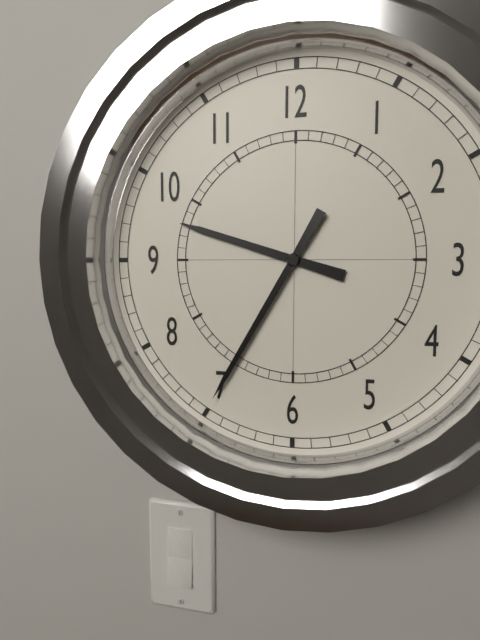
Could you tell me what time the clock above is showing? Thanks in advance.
9:35
